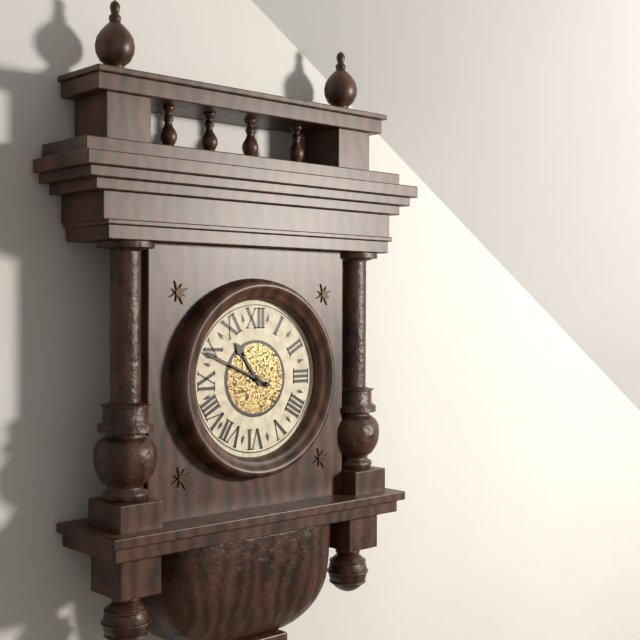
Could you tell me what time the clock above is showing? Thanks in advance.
10:49
